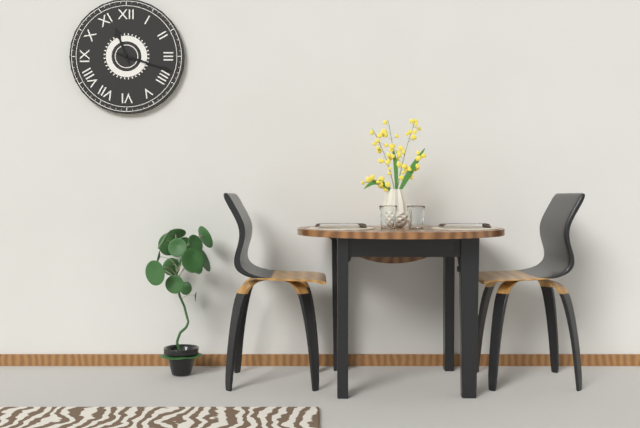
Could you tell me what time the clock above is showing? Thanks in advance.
11:18
